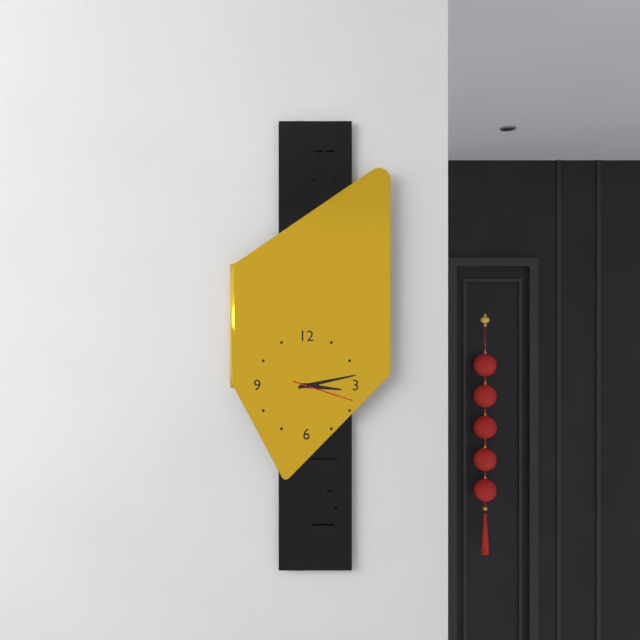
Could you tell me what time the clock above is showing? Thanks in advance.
3:13:18
